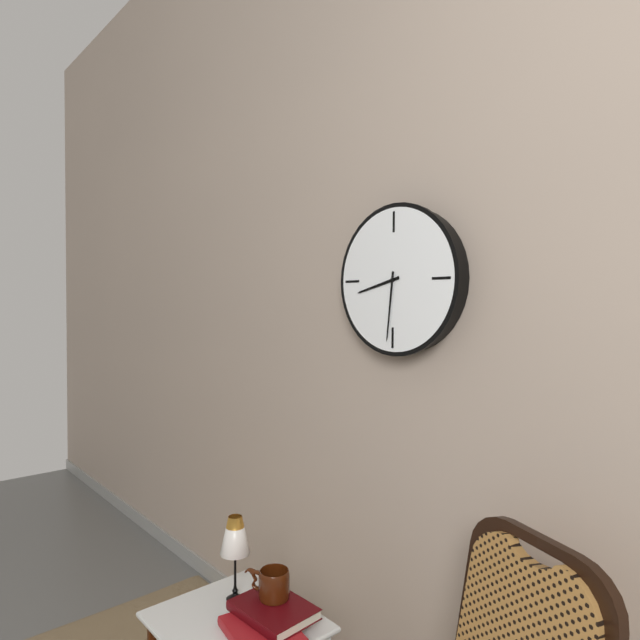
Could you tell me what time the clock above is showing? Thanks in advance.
8:31
